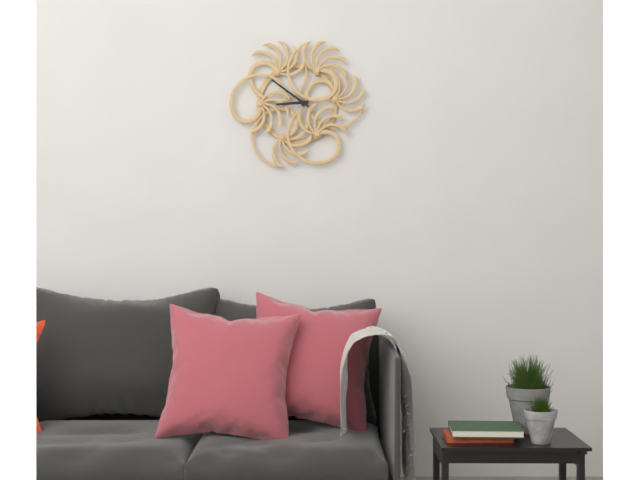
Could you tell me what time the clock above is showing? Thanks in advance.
8:51
